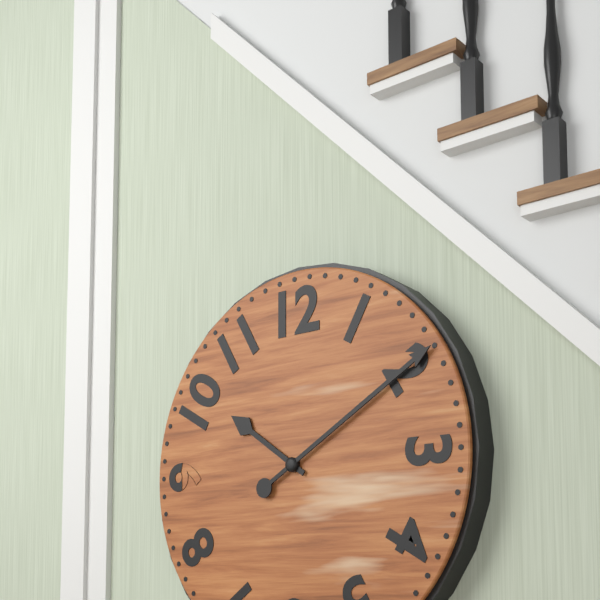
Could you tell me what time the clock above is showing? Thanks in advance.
10:10
